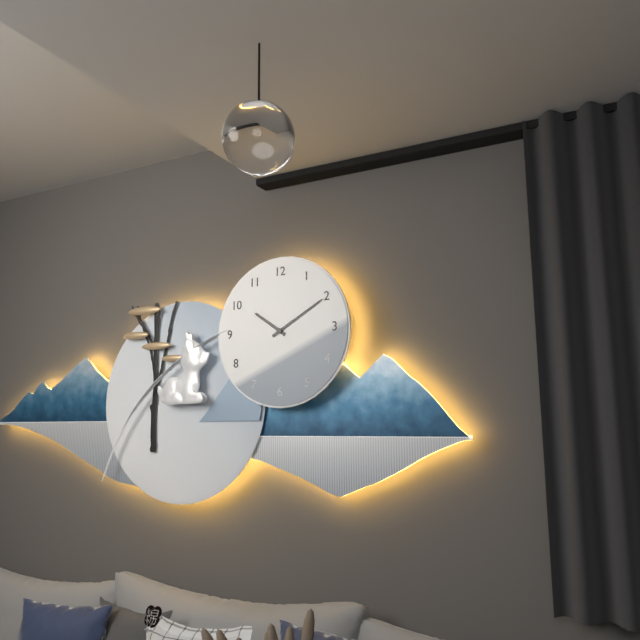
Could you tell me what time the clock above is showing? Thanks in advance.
10:10
